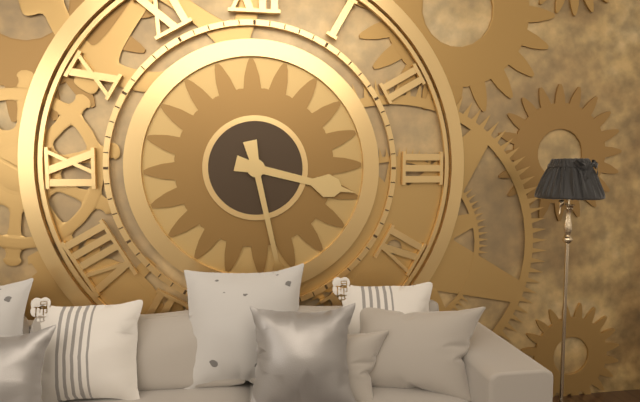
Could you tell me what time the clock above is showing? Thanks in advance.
3:28
